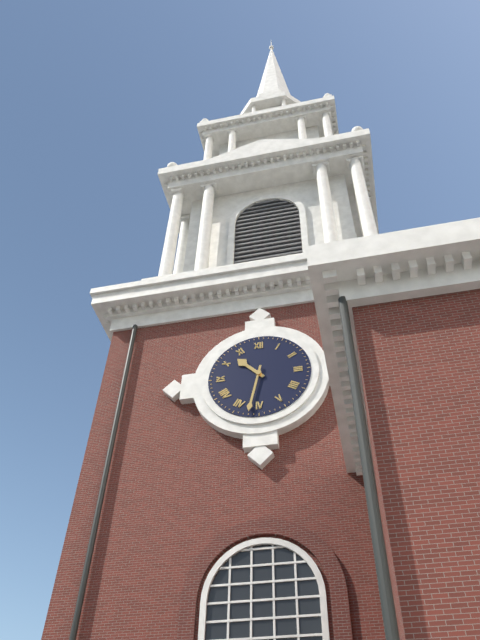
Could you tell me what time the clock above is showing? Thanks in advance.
10:32
